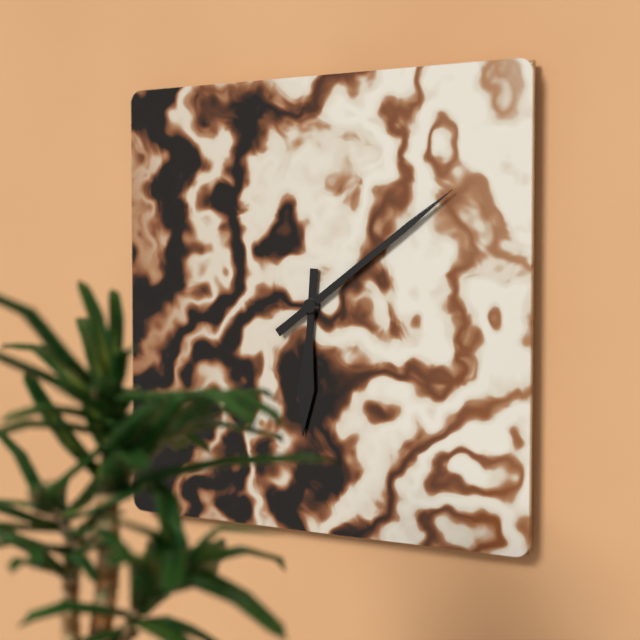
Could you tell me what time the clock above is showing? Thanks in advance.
6:09
